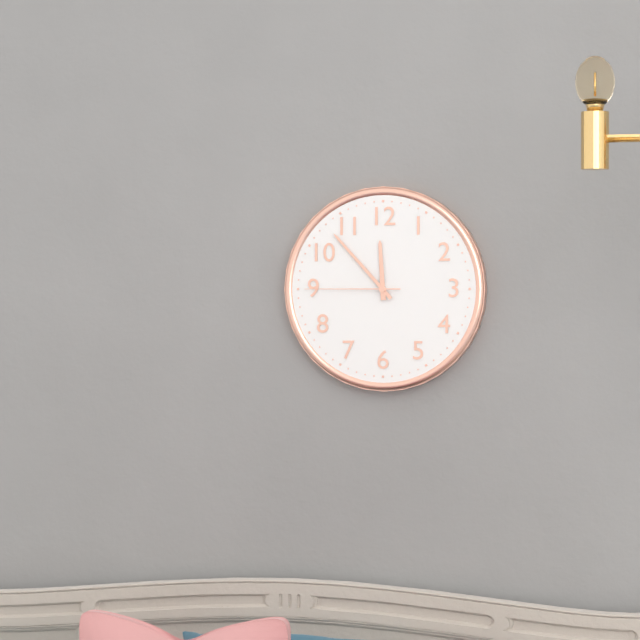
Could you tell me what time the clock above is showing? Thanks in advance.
11:53:45
